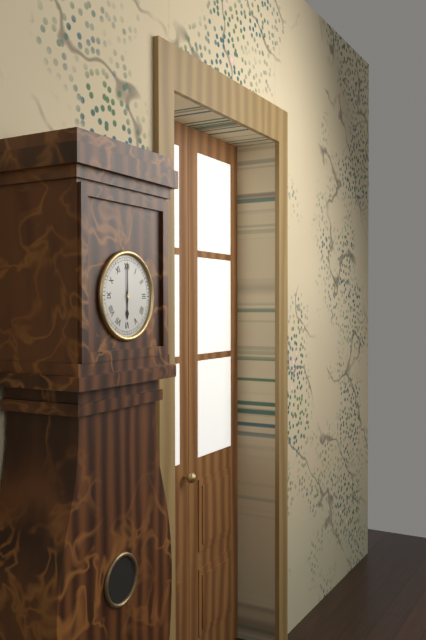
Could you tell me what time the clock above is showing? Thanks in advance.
6:00
